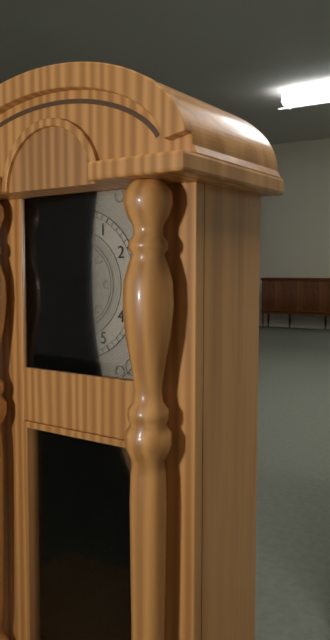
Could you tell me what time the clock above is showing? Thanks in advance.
6:39
